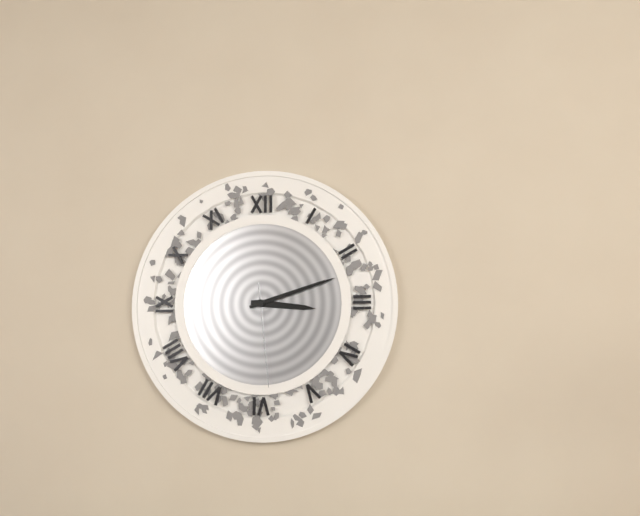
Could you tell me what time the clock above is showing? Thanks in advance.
3:12:29
